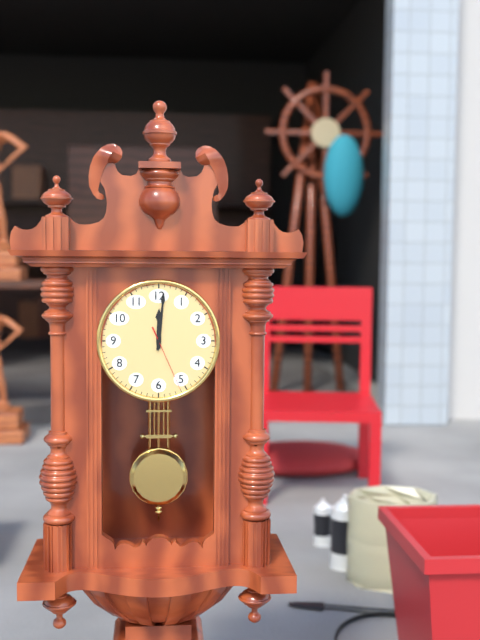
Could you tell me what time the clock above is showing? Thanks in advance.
12:01:26
